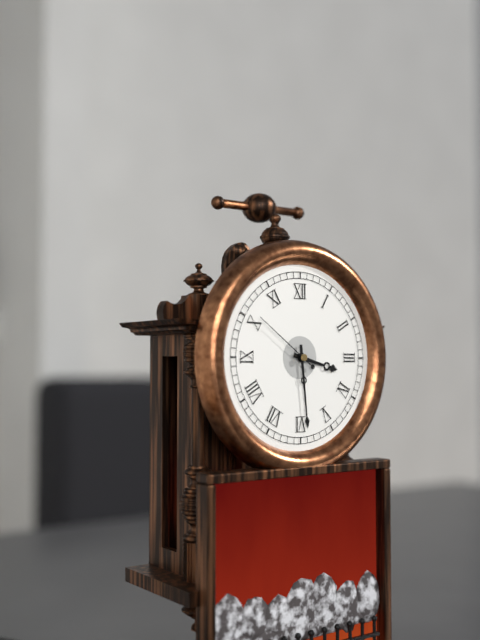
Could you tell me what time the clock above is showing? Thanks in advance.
3:29:51
